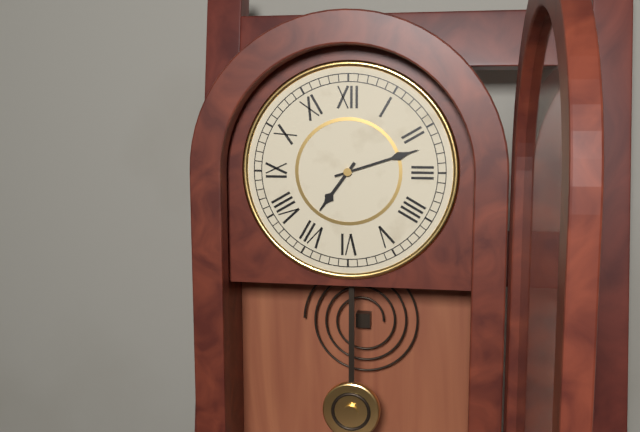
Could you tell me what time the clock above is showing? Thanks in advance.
7:12
